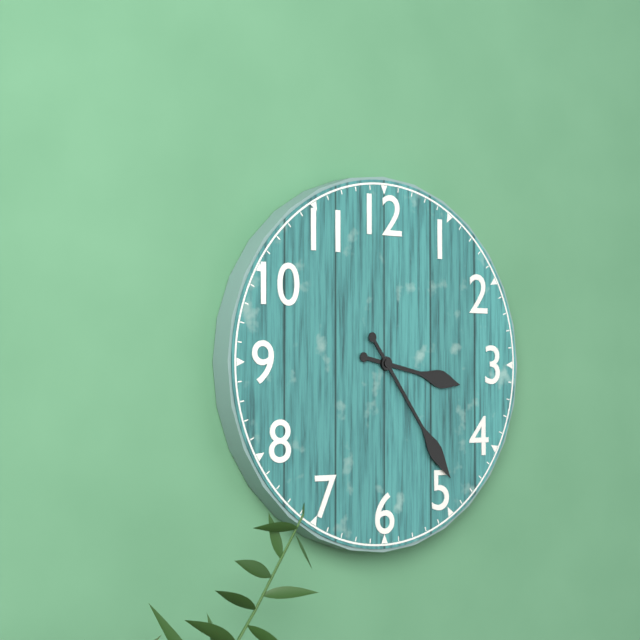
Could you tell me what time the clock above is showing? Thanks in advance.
3:24
